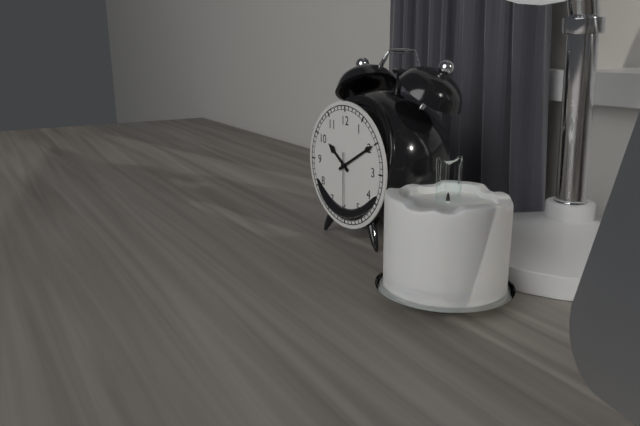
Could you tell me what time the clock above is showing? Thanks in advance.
10:10:30
